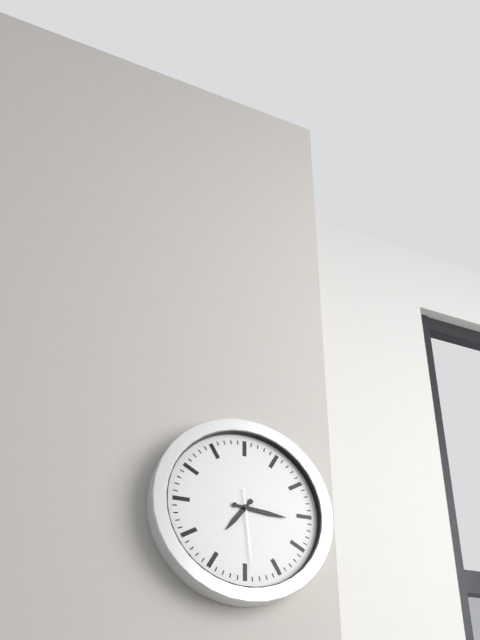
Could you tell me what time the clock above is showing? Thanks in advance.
7:16:29
